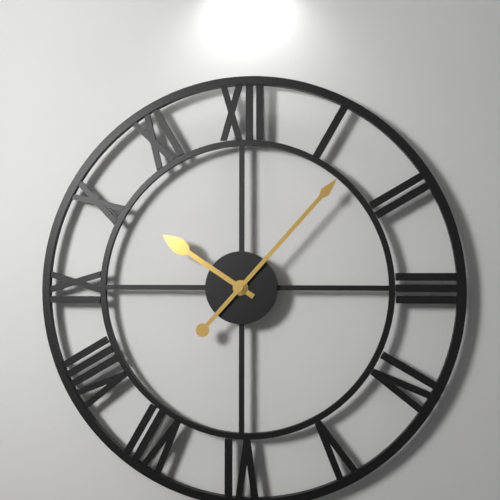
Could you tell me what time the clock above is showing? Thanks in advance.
10:07
